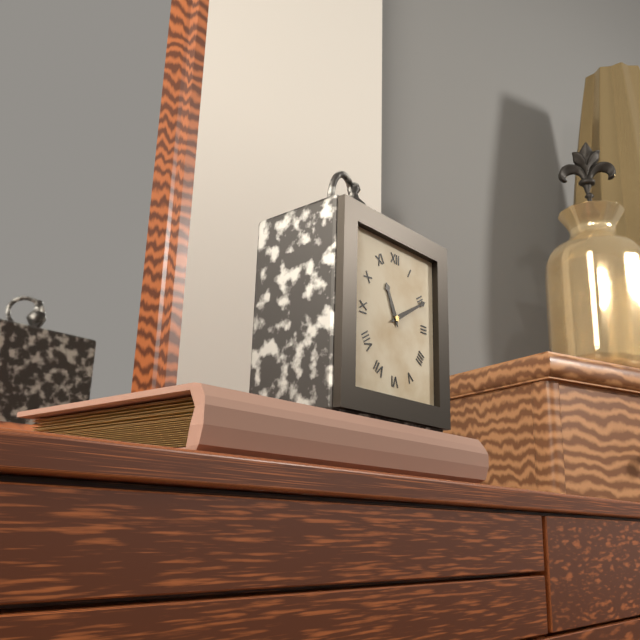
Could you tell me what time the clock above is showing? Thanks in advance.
11:10
